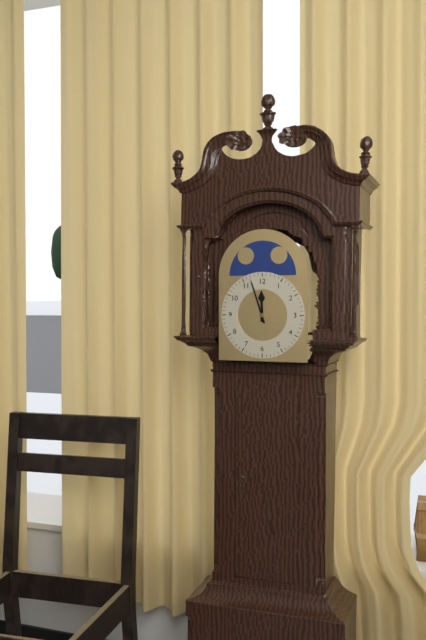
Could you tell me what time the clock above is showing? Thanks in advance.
11:57
